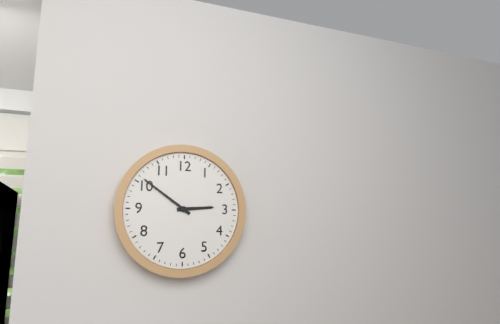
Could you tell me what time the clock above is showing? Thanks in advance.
2:51
